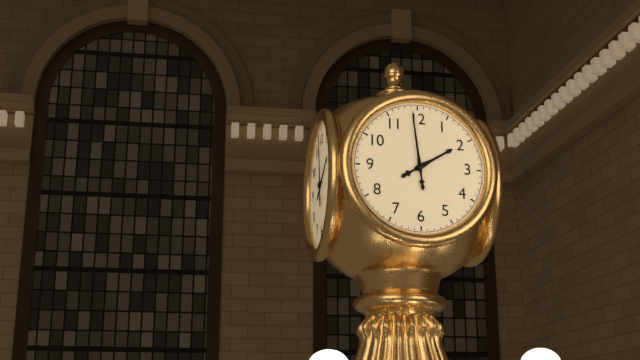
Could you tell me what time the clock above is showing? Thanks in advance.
1:59
